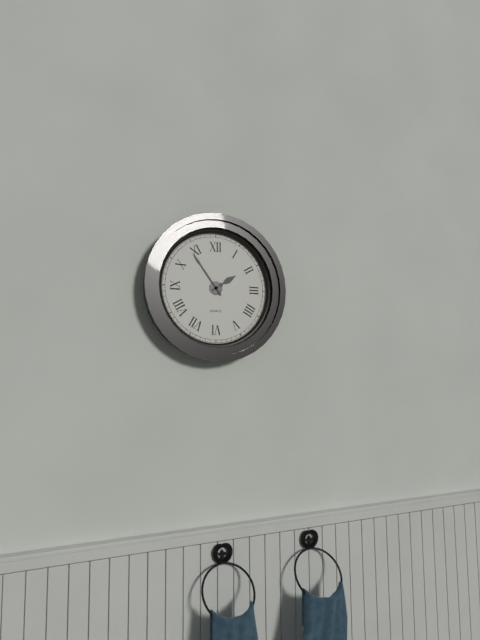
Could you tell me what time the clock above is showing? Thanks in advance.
1:54
